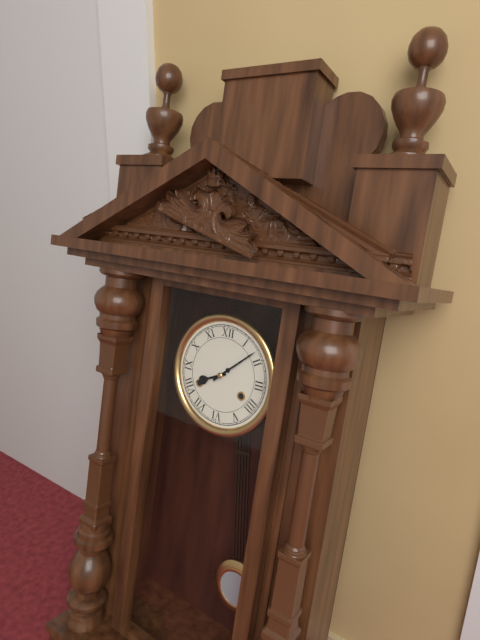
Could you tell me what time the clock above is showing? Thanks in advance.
8:08
